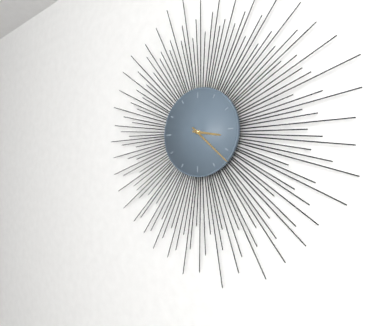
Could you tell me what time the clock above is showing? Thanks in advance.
3:22
